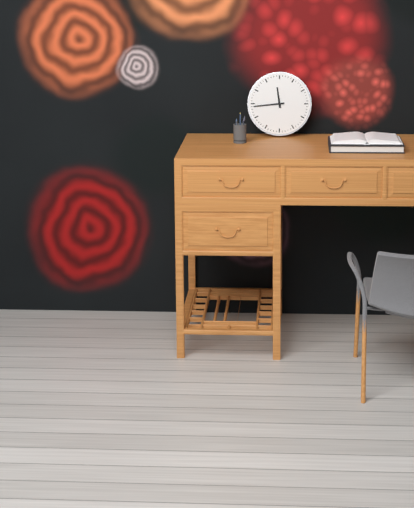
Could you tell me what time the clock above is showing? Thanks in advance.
11:44
